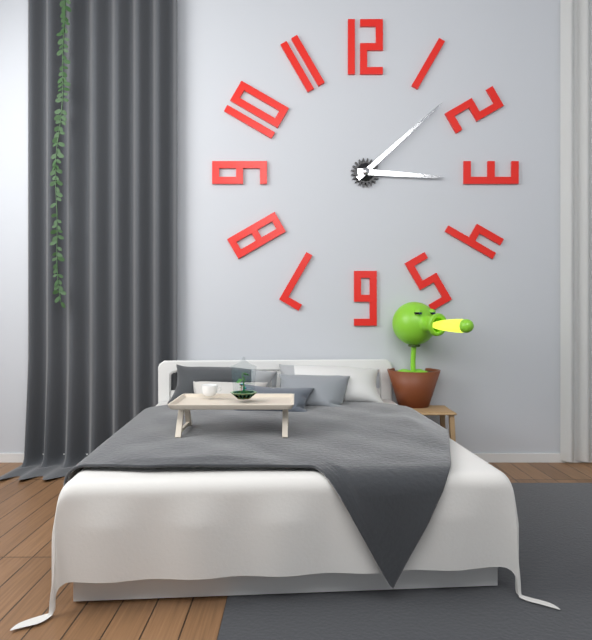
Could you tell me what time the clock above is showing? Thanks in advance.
3:08
